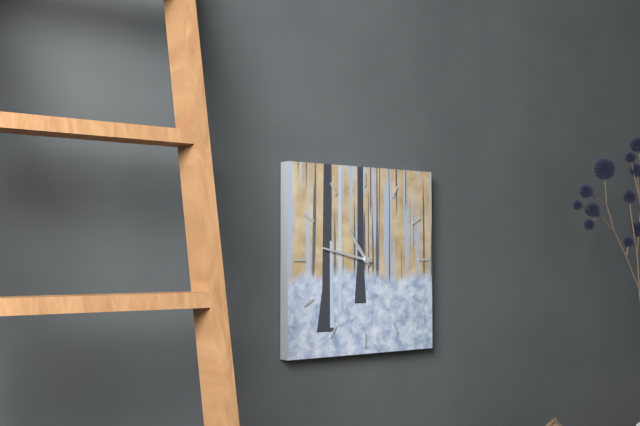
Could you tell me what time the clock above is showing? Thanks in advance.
10:47
